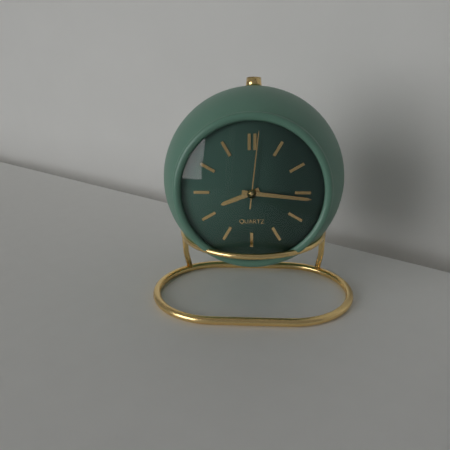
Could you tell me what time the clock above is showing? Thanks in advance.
8:16:01
